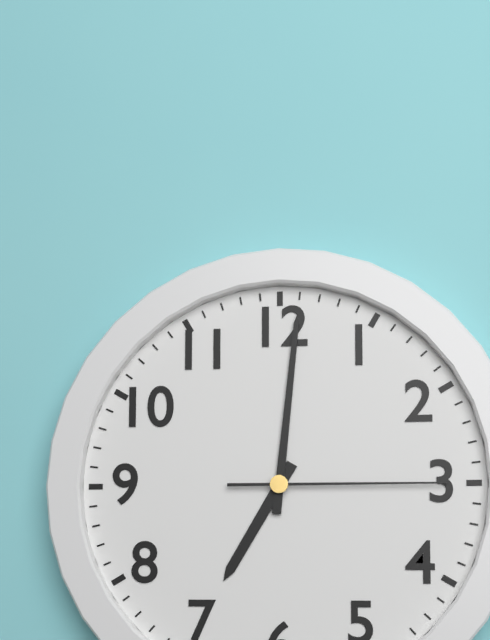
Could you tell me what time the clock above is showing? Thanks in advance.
7:01:15
